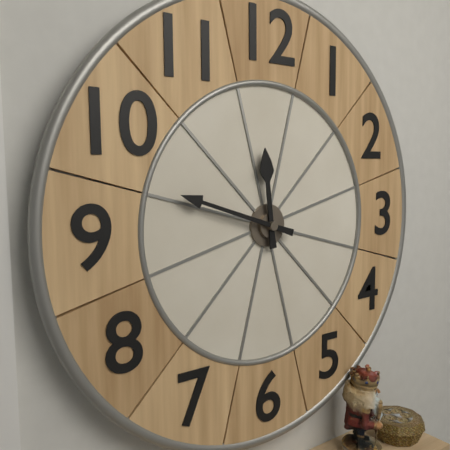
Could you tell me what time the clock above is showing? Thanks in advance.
11:48
